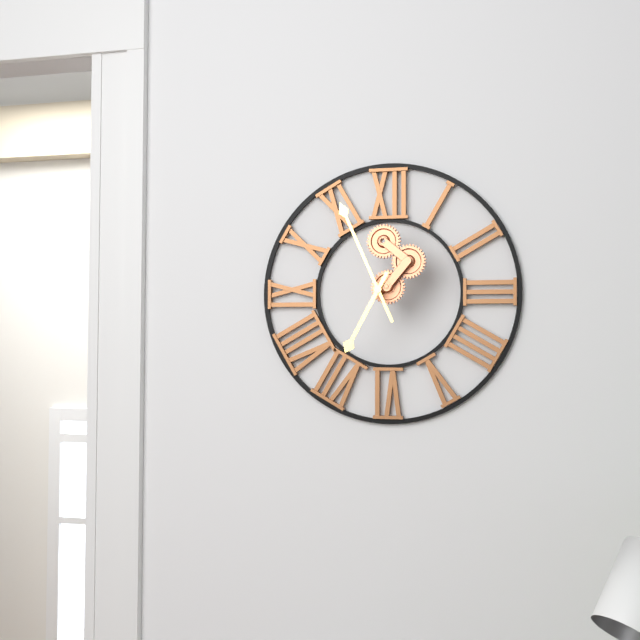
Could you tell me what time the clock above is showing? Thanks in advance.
6:56
